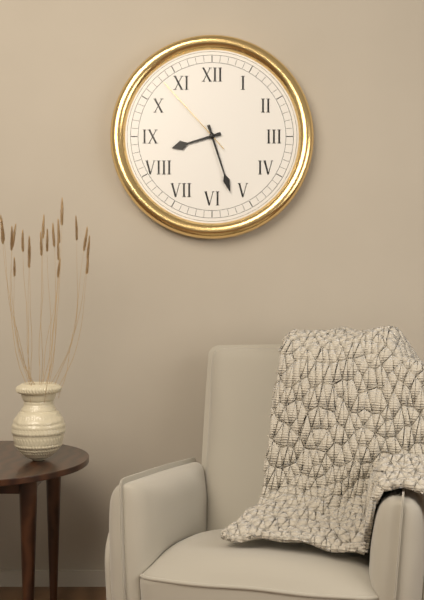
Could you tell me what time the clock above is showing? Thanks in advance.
8:27:53
